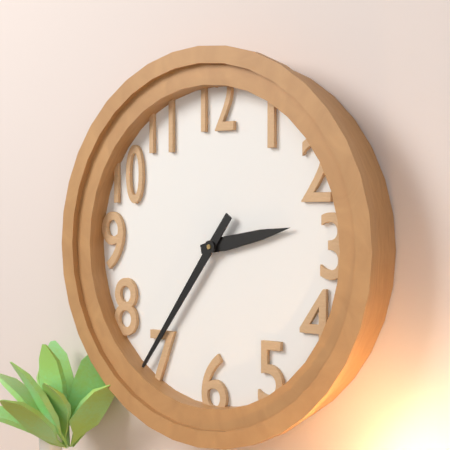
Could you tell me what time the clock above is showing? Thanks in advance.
2:36
